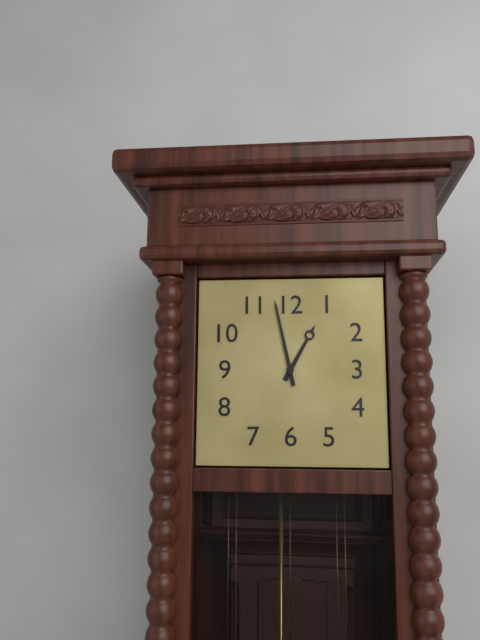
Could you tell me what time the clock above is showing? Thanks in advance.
12:58
